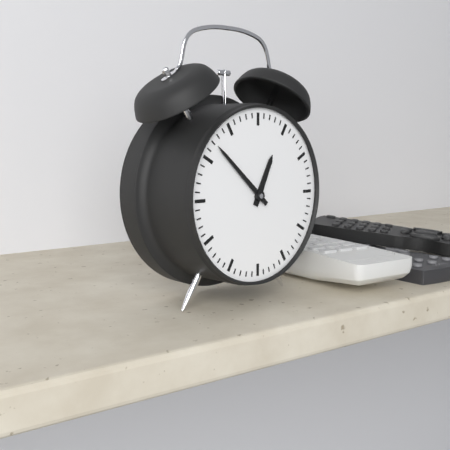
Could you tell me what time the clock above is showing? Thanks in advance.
12:52
